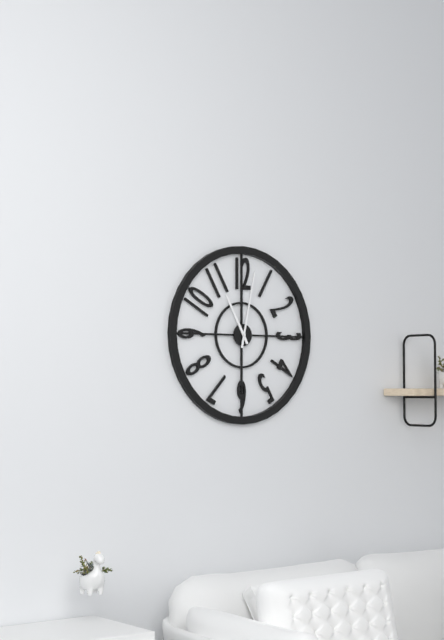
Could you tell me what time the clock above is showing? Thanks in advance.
11:02
